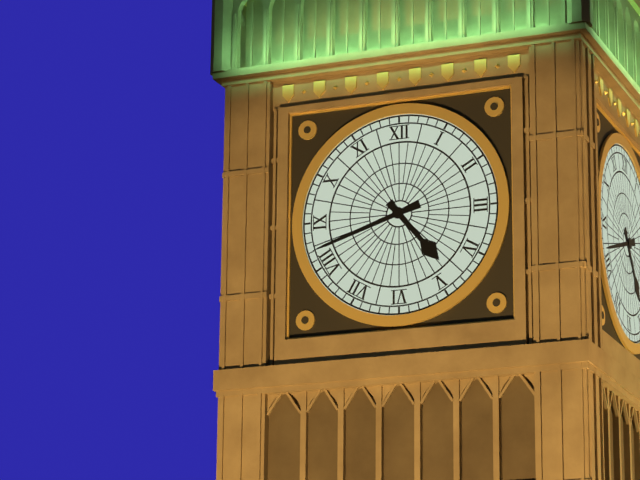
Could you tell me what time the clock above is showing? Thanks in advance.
4:42
